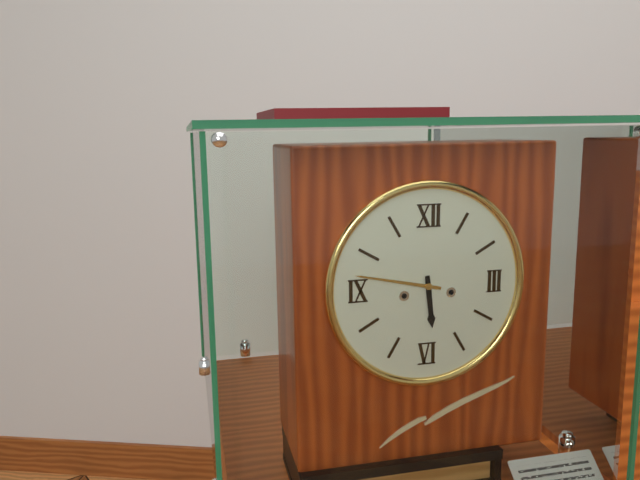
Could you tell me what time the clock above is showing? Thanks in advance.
5:47
